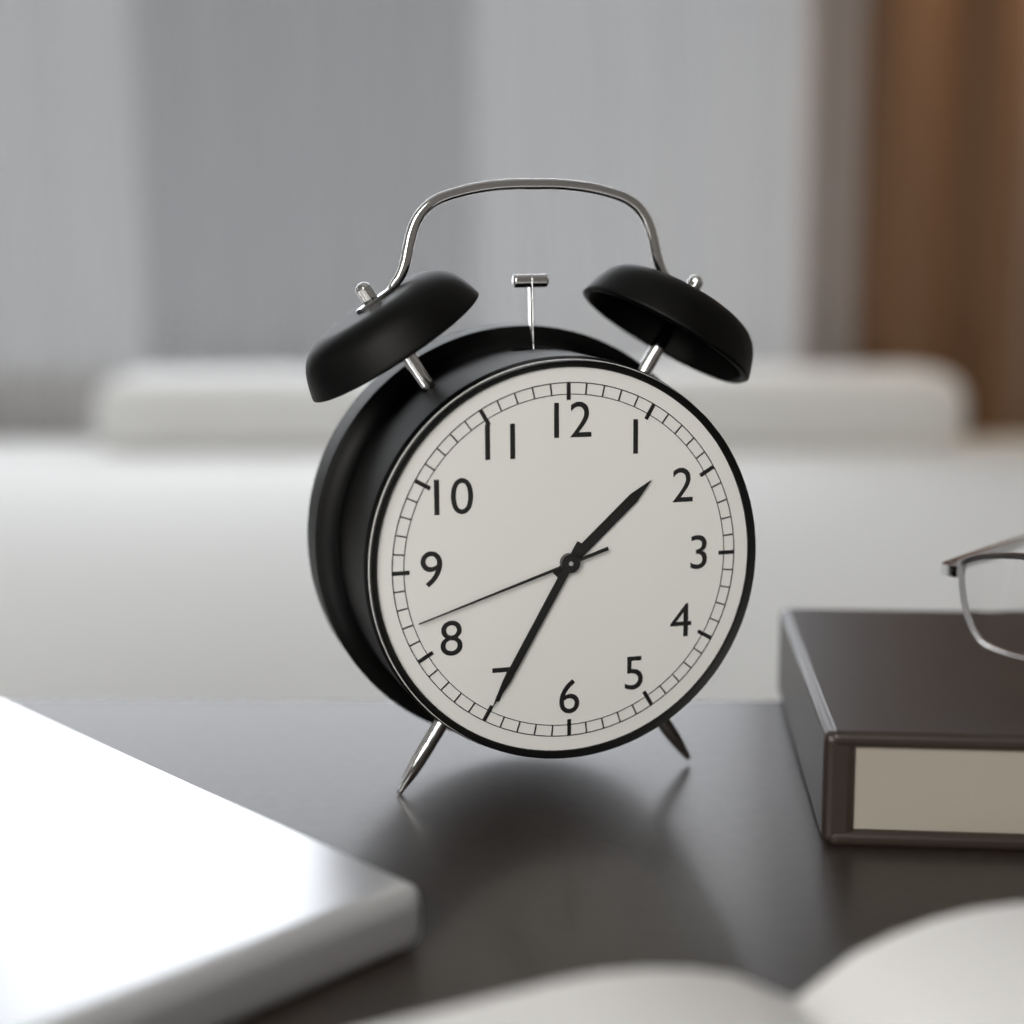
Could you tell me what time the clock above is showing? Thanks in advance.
1:35:42
